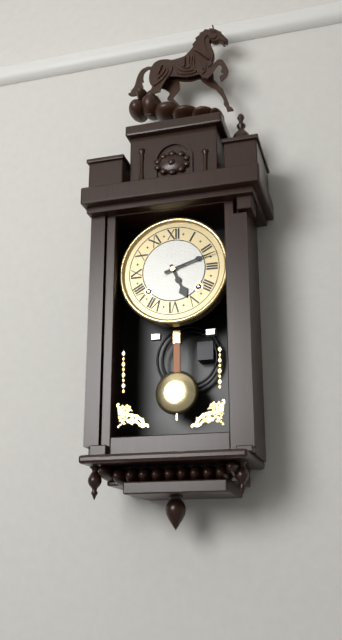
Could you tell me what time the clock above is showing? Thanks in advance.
5:12
